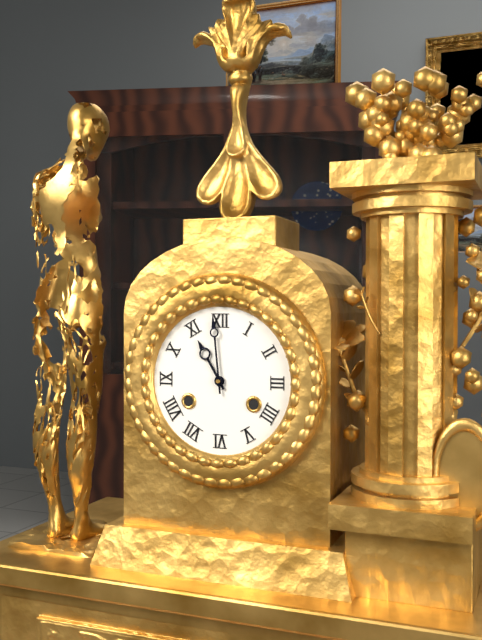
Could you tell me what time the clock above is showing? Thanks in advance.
10:59
